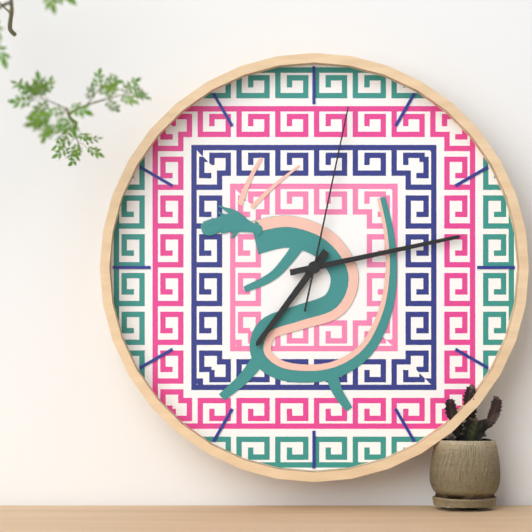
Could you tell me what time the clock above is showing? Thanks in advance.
7:13:02
